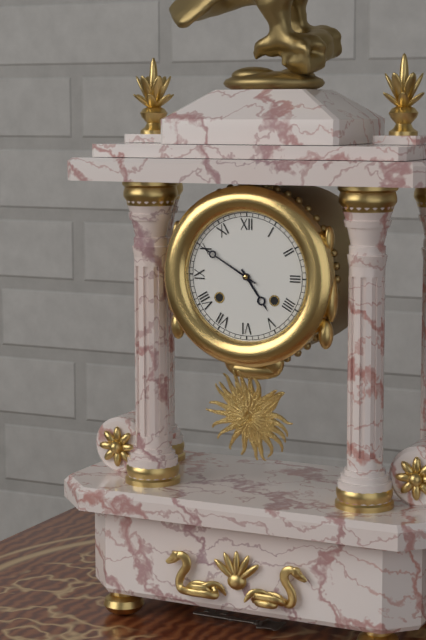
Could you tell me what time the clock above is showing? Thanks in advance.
4:50
